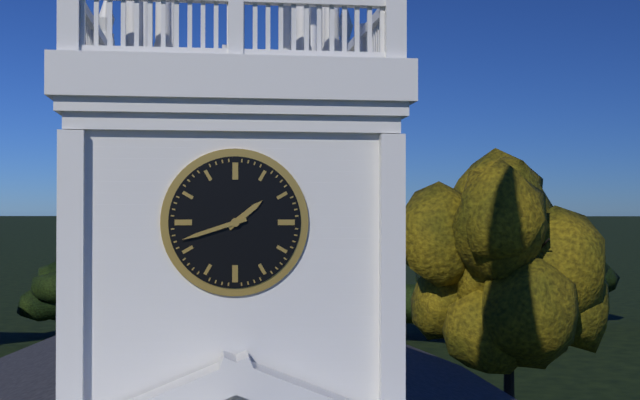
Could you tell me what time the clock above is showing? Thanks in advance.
1:42
